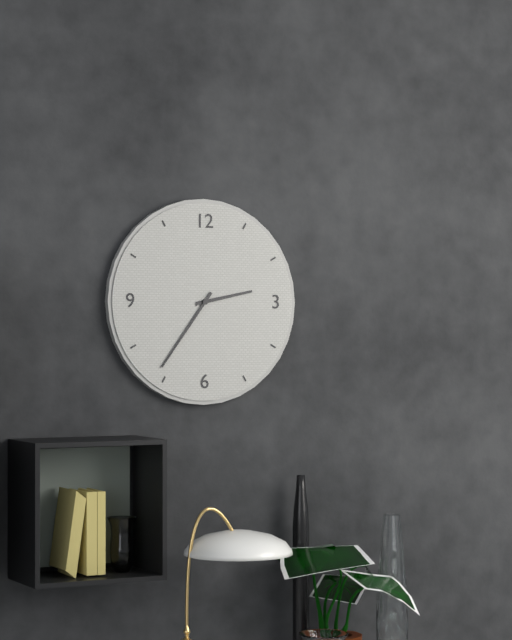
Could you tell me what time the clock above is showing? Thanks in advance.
2:36
